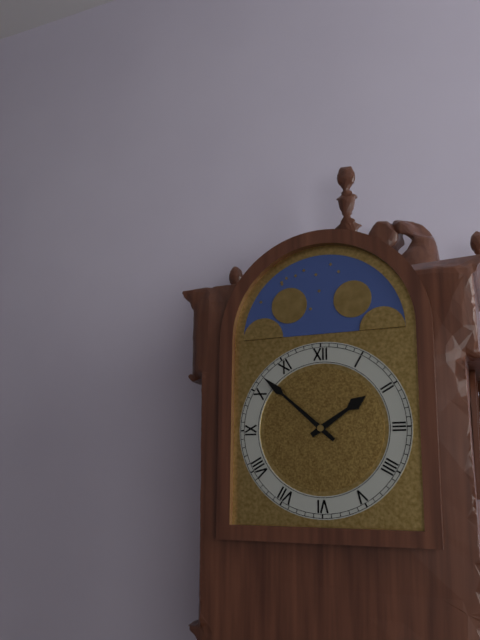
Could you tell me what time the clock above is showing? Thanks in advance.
1:52
